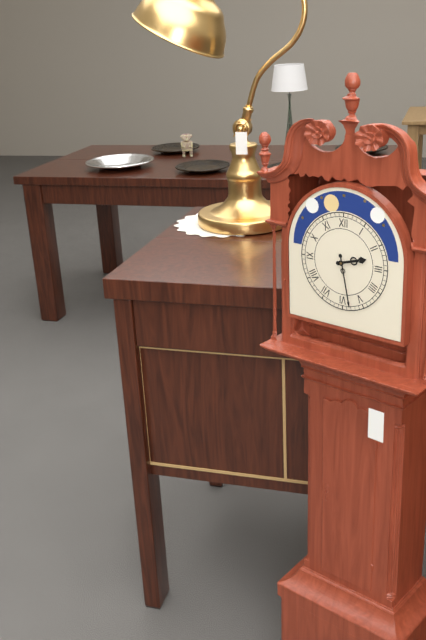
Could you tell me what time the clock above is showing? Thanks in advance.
2:28
